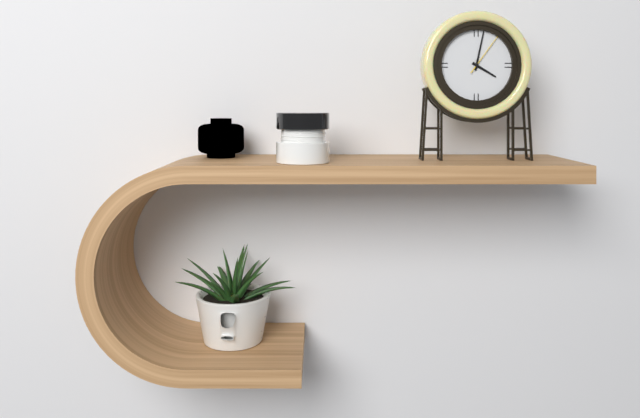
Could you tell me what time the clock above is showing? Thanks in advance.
4:02
